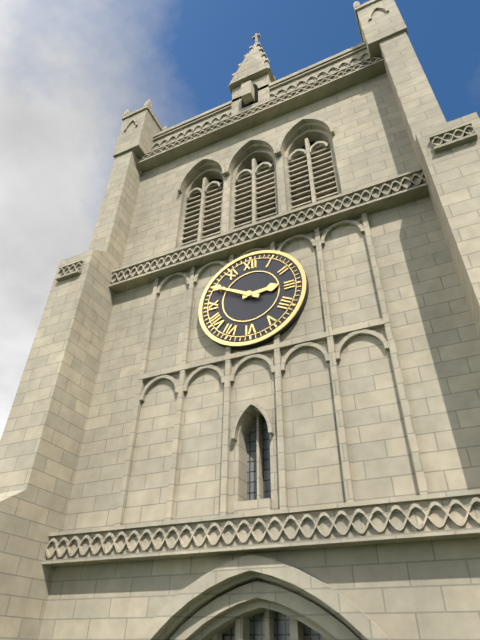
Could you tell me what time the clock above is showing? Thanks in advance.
2:50
